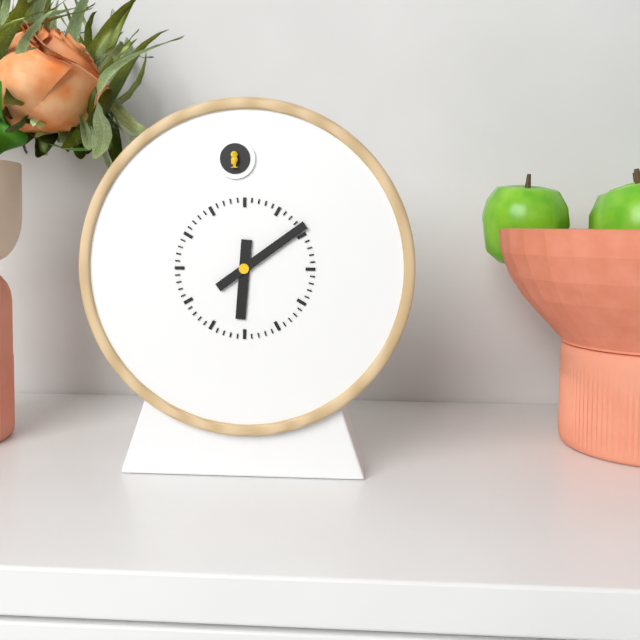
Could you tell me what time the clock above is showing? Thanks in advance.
6:09
